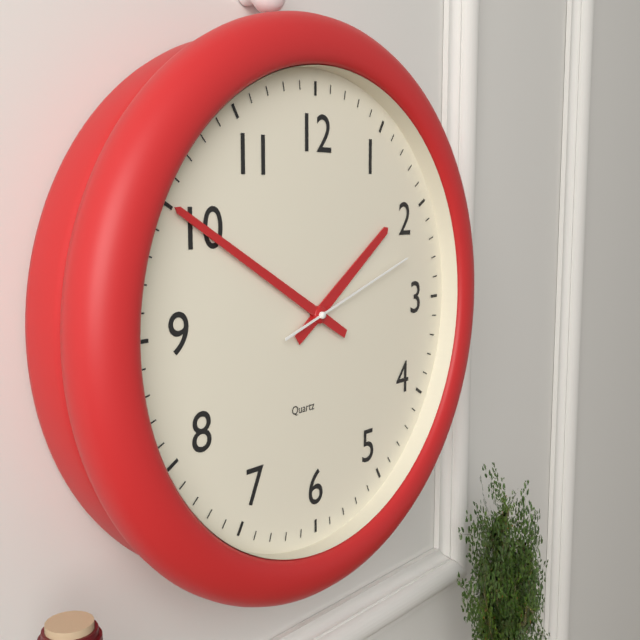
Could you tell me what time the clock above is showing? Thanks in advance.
1:50:12
